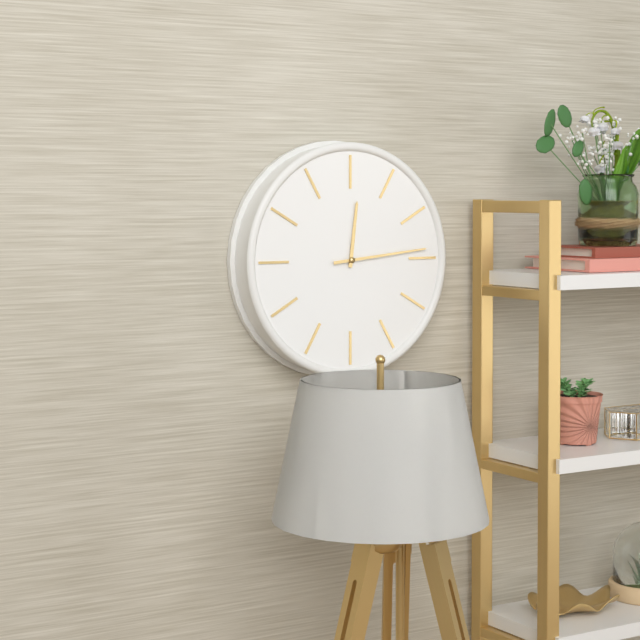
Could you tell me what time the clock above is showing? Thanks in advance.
12:14
